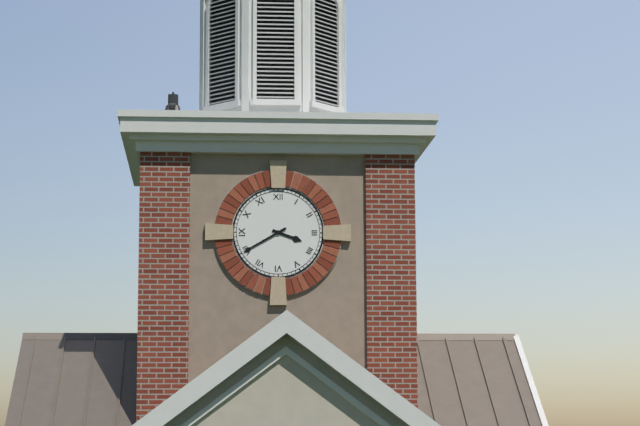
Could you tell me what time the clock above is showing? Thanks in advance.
3:40
